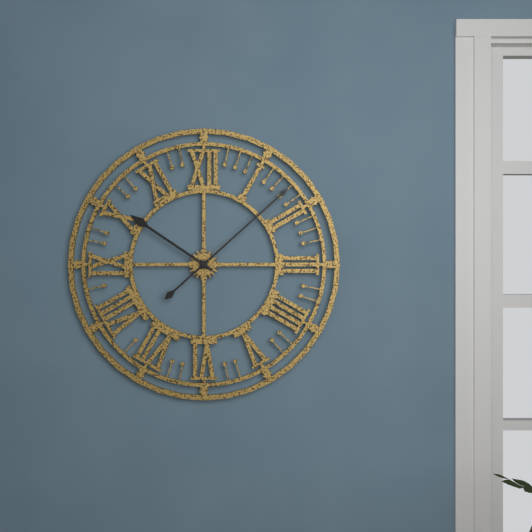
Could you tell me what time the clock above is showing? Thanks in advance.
10:08
